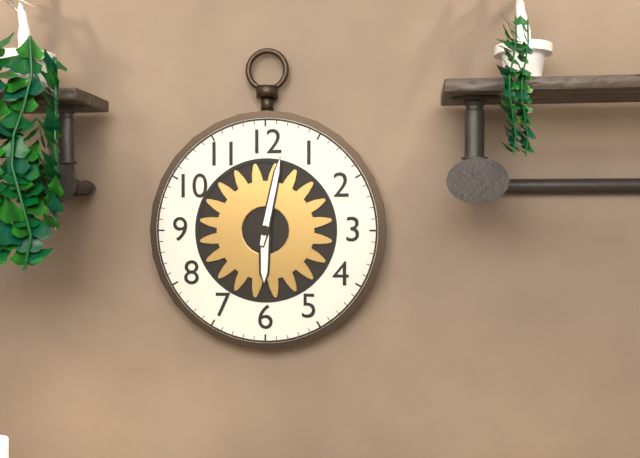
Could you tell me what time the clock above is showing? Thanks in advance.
6:02
